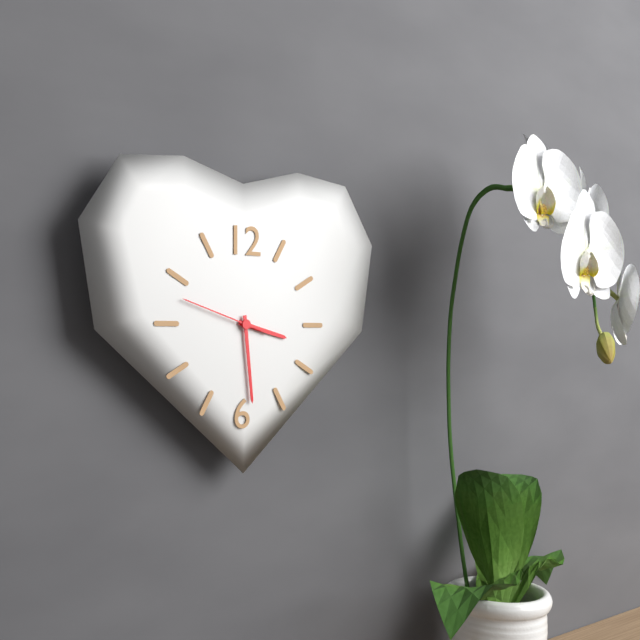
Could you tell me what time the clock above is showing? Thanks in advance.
3:29:48
